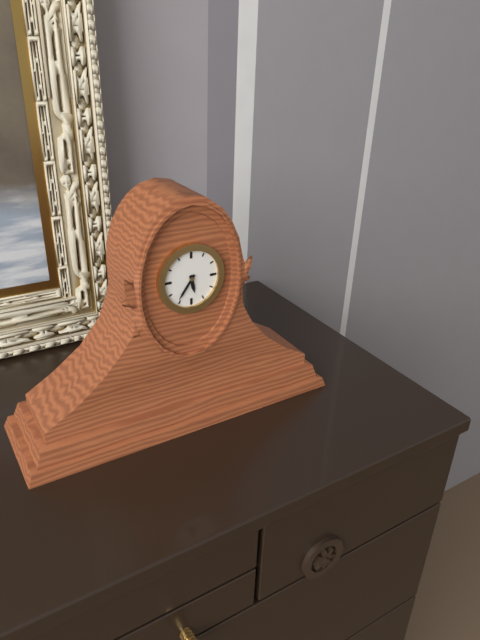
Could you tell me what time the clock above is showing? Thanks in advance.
5:36
